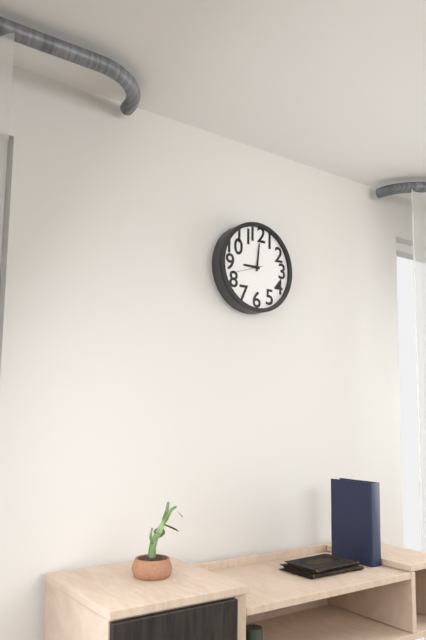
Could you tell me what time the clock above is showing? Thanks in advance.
9:01
